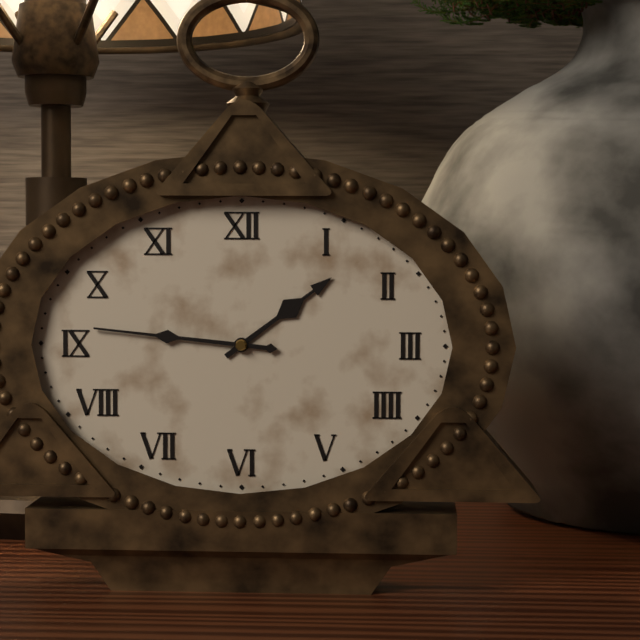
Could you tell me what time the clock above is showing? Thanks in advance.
1:46
